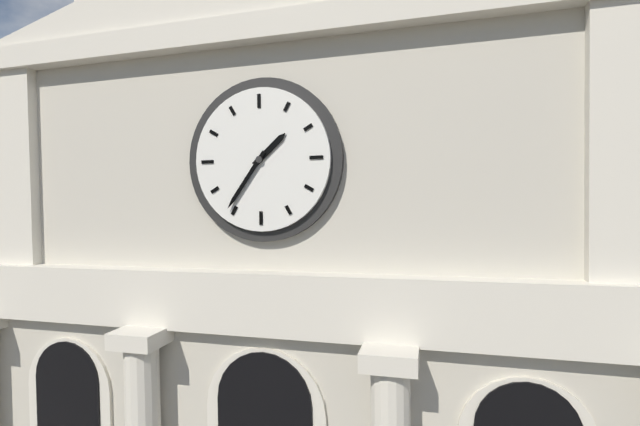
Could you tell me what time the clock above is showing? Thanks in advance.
1:36
